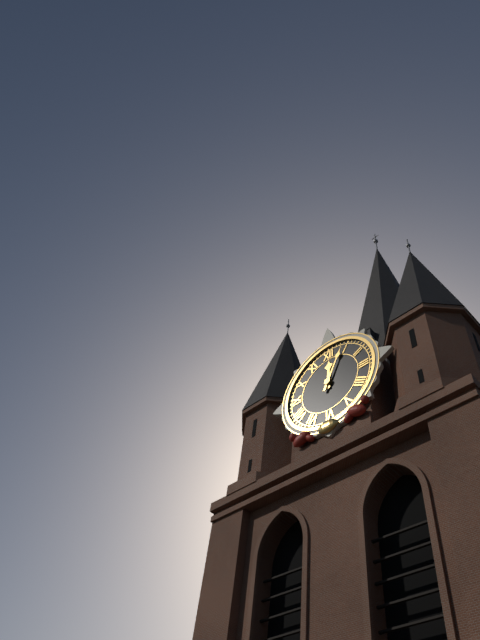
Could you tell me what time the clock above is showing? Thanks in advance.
12:04
